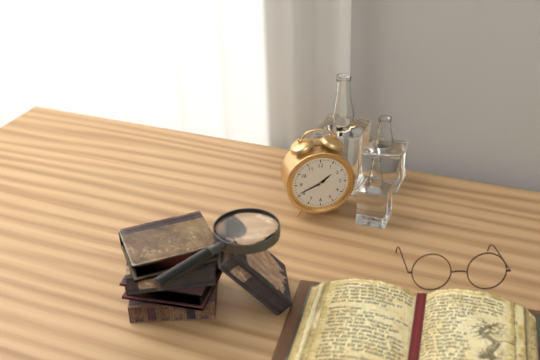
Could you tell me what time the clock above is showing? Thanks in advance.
1:41
